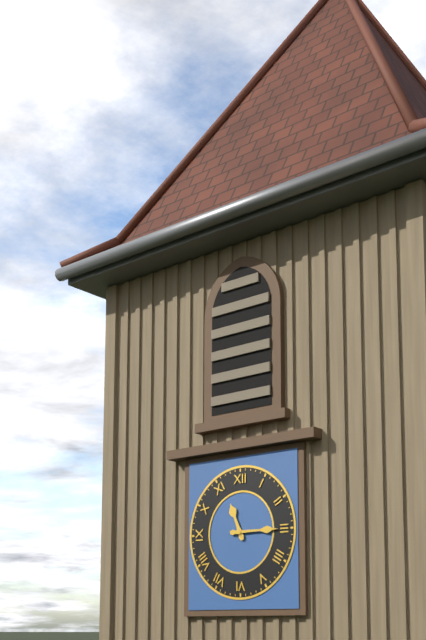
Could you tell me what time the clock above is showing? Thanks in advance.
11:15
